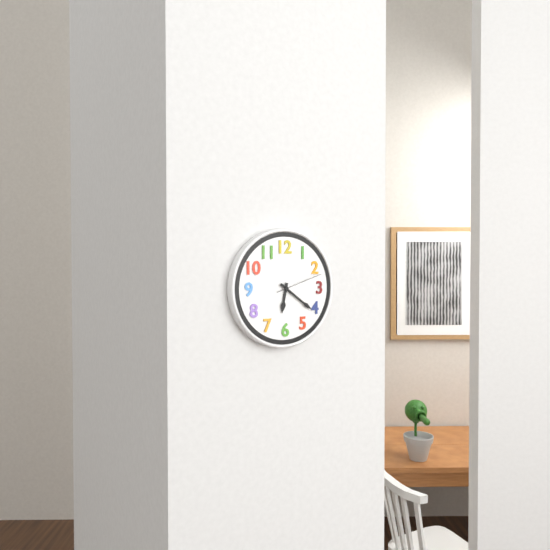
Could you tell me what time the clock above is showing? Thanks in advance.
6:21
